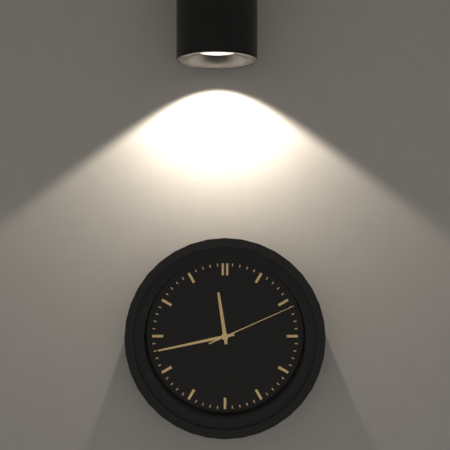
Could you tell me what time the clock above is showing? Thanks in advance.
11:43:11
